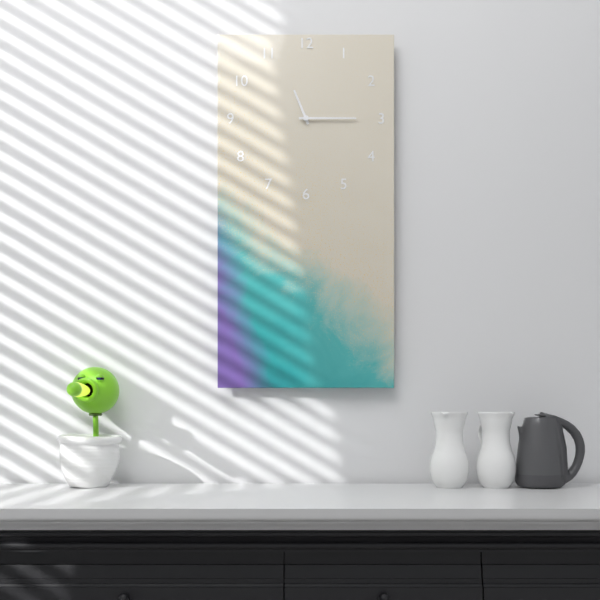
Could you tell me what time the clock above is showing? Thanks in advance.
11:15
